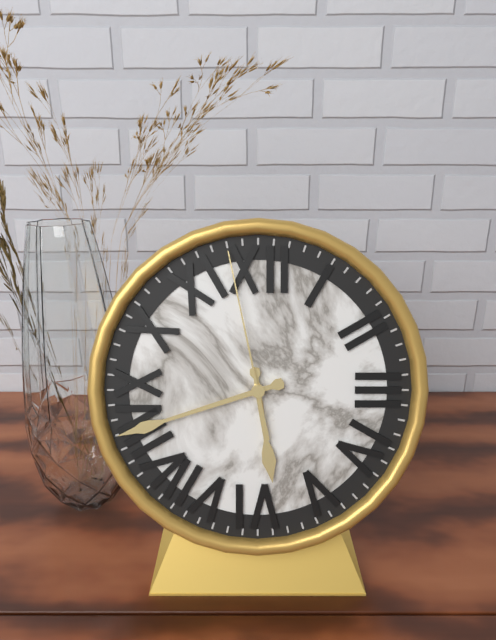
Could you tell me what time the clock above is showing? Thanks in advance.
5:42:58
